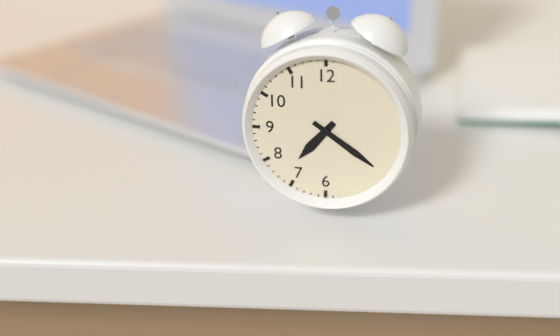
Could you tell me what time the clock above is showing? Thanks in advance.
7:21
